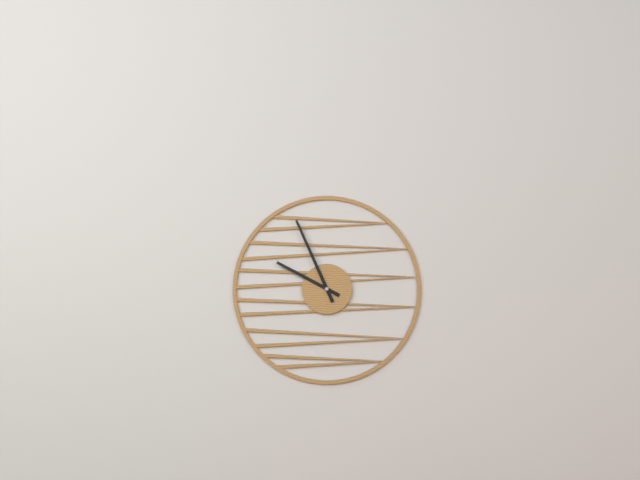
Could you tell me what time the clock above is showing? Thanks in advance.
9:56
